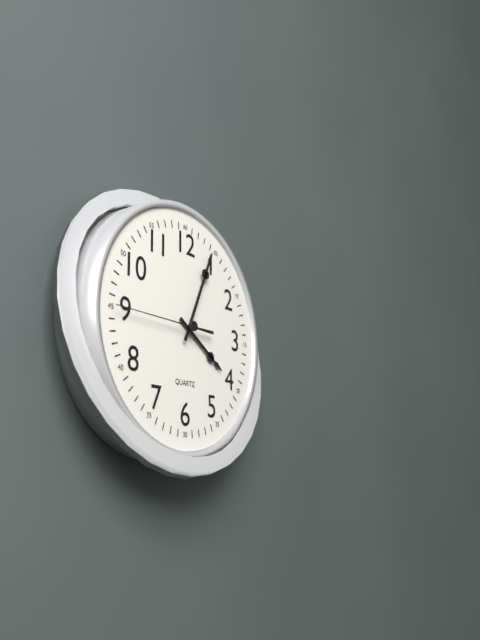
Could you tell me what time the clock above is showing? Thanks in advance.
4:04:45
